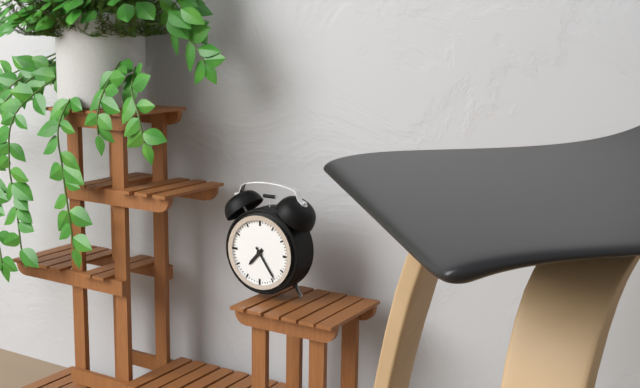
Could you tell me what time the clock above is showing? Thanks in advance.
7:24
